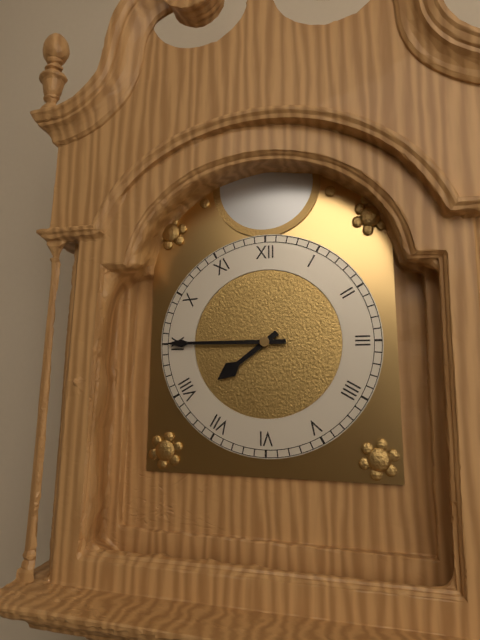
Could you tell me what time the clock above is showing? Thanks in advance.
7:45
